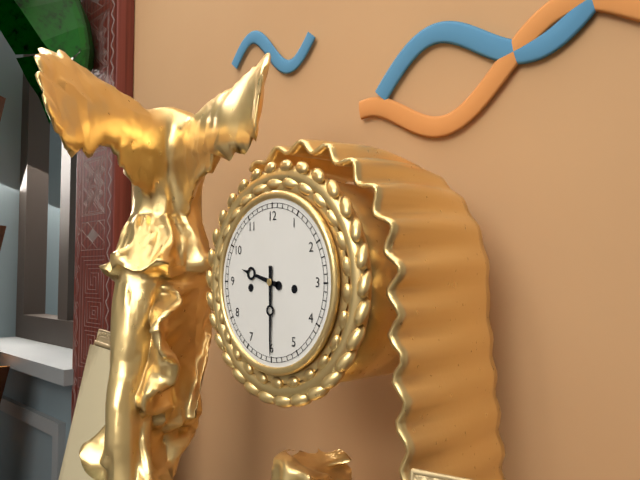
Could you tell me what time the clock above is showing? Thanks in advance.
9:30
